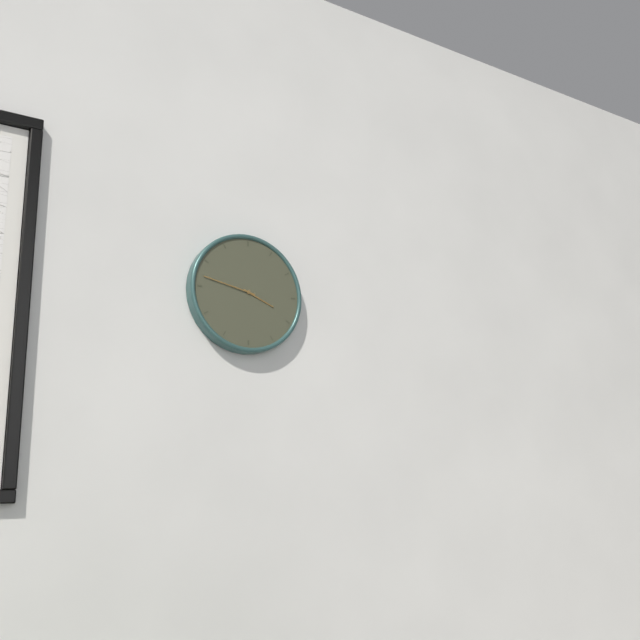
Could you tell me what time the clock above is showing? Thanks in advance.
3:47
